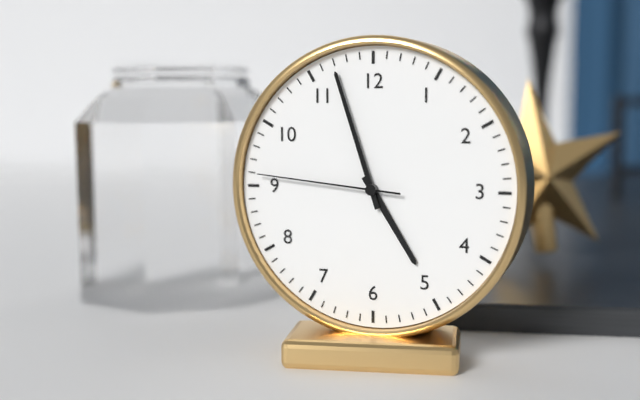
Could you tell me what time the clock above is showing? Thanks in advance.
4:57:46
